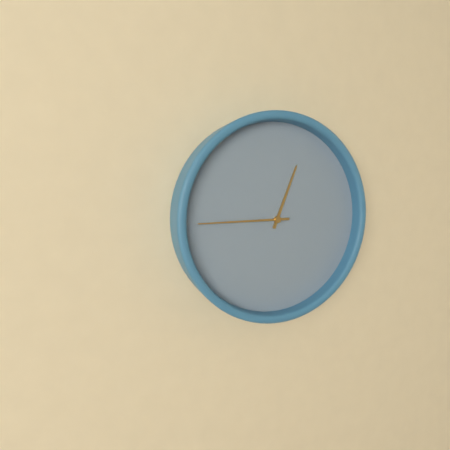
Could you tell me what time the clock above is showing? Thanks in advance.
12:45
